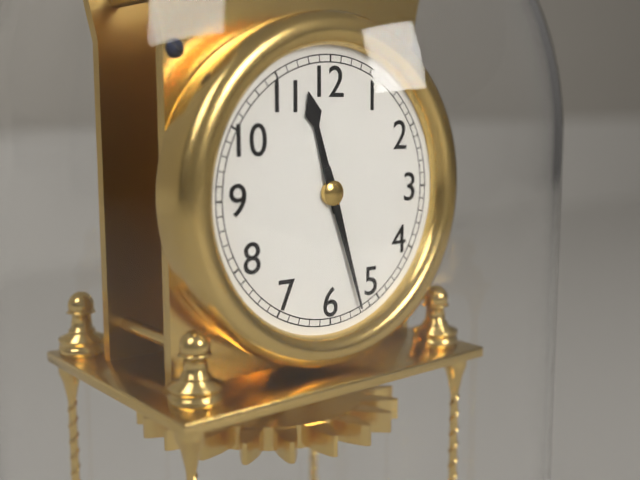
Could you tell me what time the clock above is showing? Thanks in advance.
11:27
